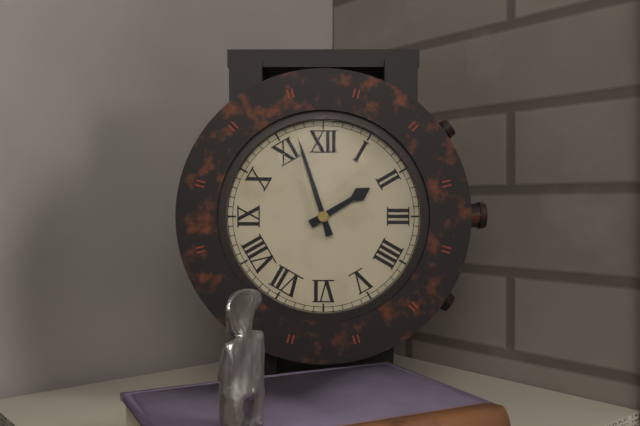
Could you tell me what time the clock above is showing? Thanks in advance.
1:57
